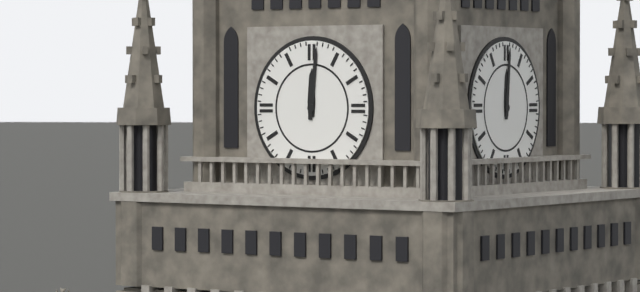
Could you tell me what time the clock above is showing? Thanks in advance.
12:01
